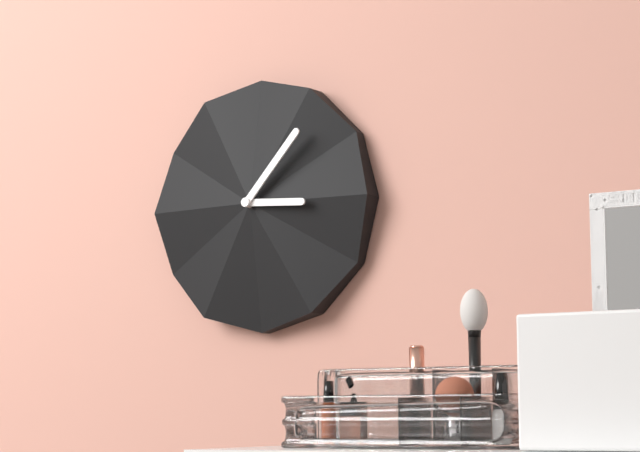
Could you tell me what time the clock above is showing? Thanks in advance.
3:07
